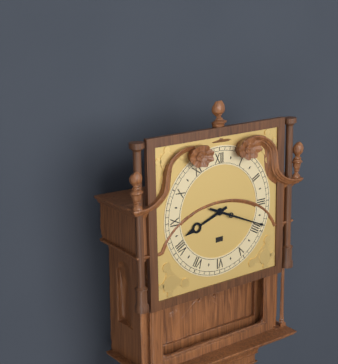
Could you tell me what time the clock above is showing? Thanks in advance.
8:19
